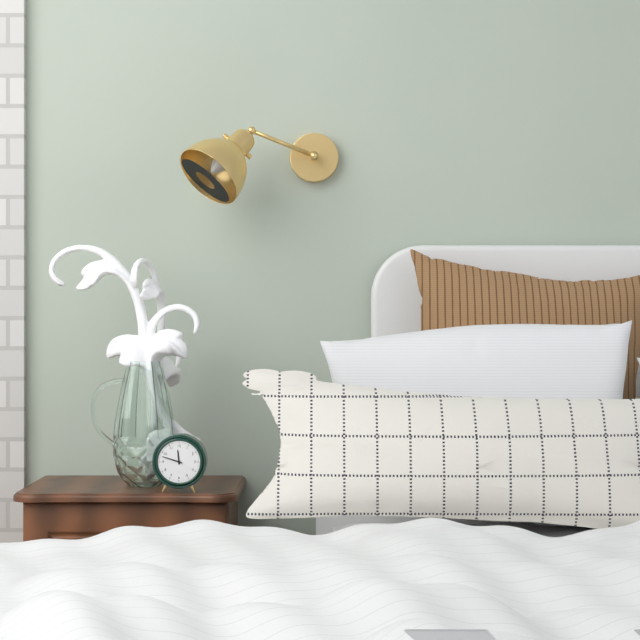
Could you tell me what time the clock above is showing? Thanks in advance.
11:48
